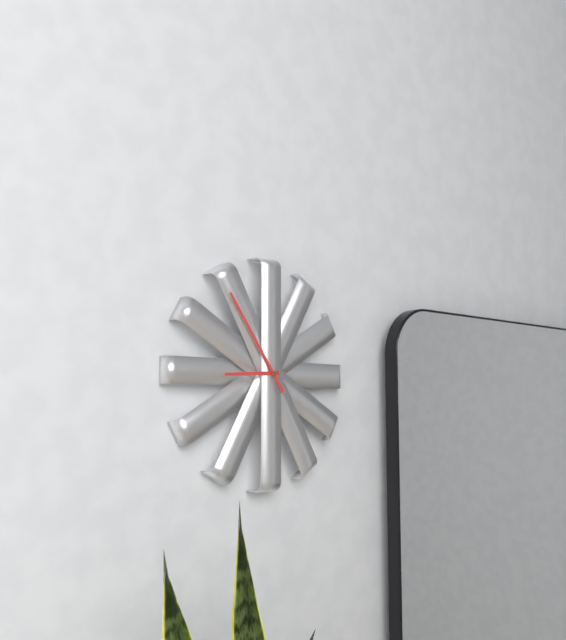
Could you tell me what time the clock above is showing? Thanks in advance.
8:54
